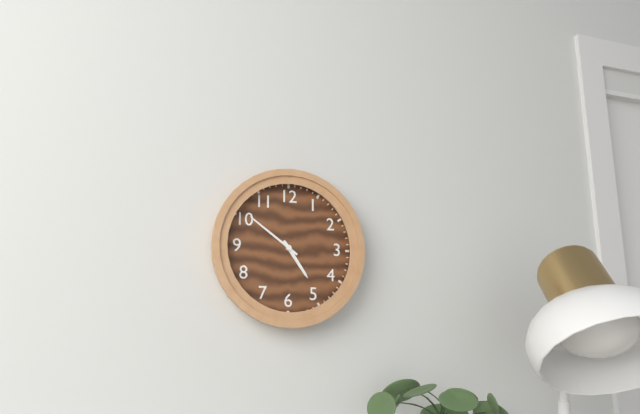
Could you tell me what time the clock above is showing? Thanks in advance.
4:51
